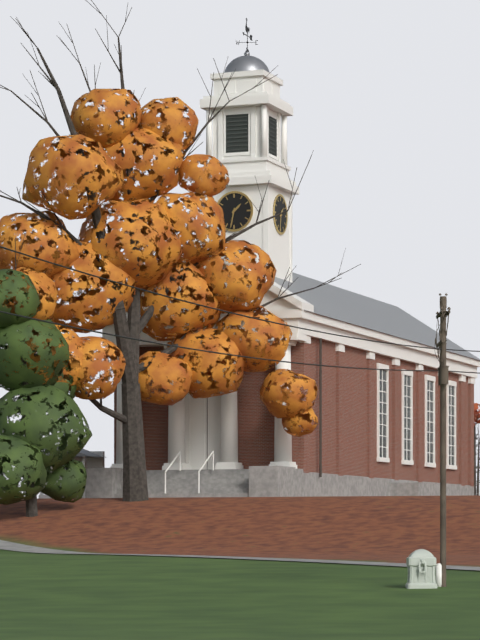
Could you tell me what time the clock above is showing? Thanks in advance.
1:32
